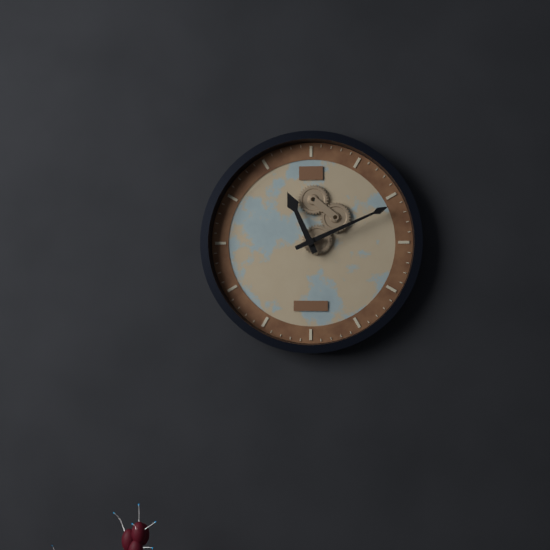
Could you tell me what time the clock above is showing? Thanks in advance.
11:11
